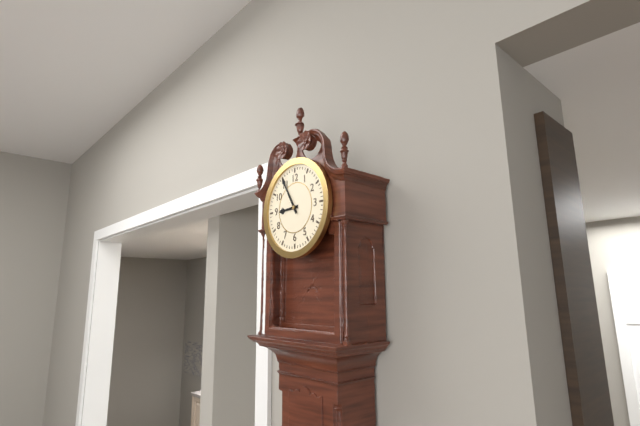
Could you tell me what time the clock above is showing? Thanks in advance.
8:55
